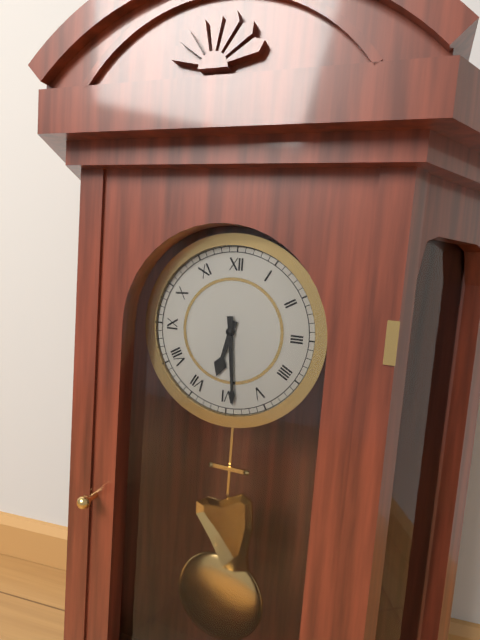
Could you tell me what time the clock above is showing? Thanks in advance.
6:29
